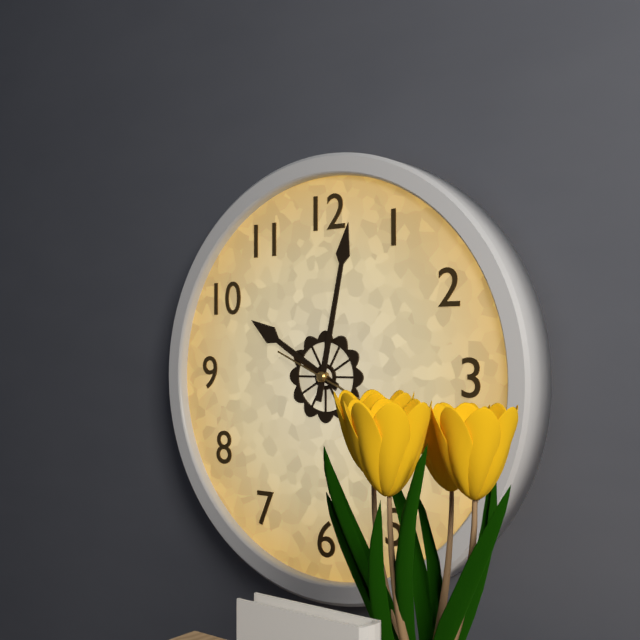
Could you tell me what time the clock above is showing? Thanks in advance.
10:02
